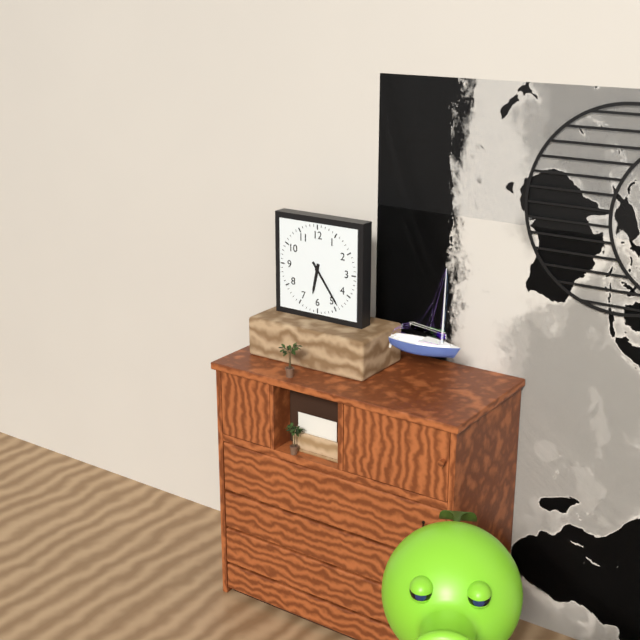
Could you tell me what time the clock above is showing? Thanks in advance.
6:24
